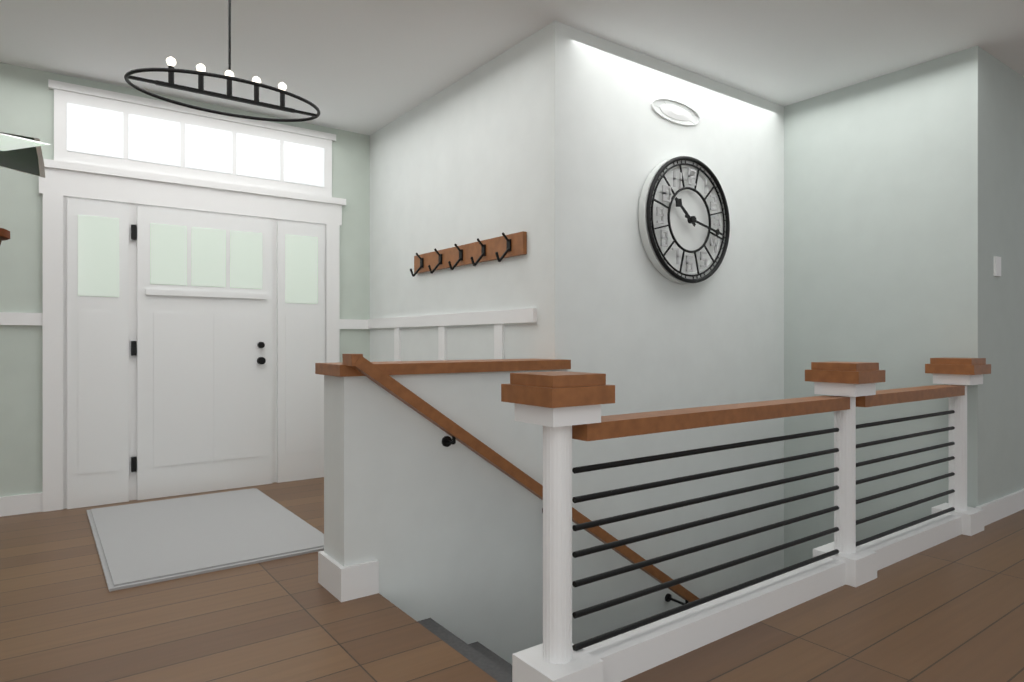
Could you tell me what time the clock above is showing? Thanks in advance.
10:17
